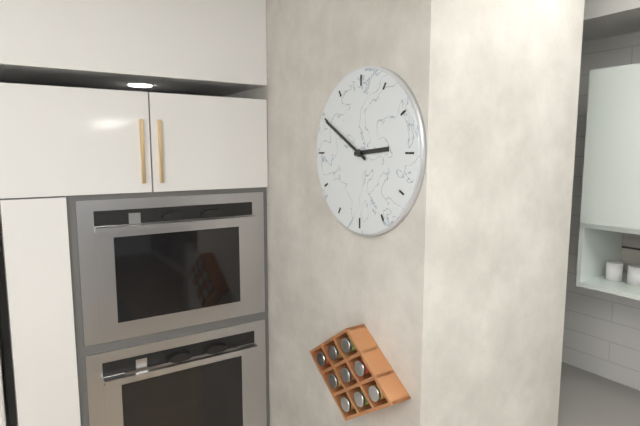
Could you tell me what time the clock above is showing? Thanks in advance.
2:50
